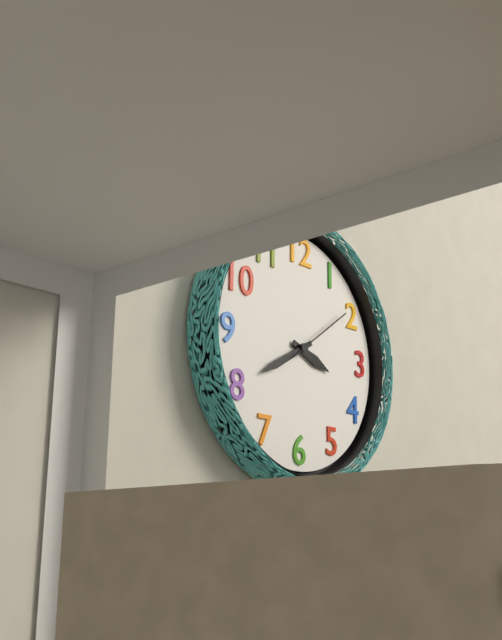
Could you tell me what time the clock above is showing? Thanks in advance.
3:40:09
